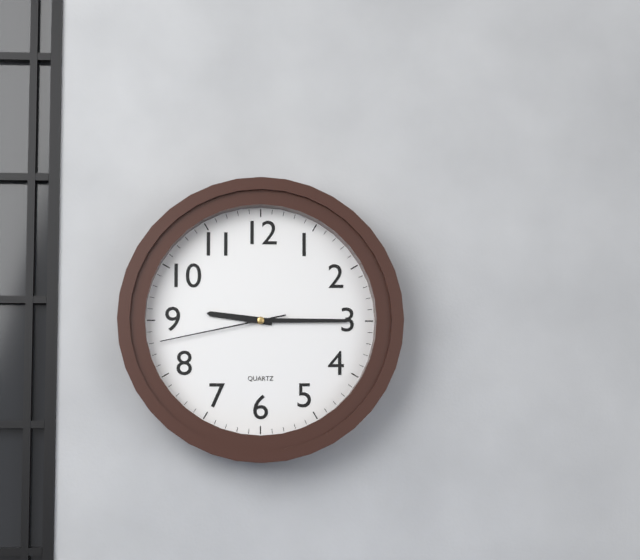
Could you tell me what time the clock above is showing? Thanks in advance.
9:15:43
